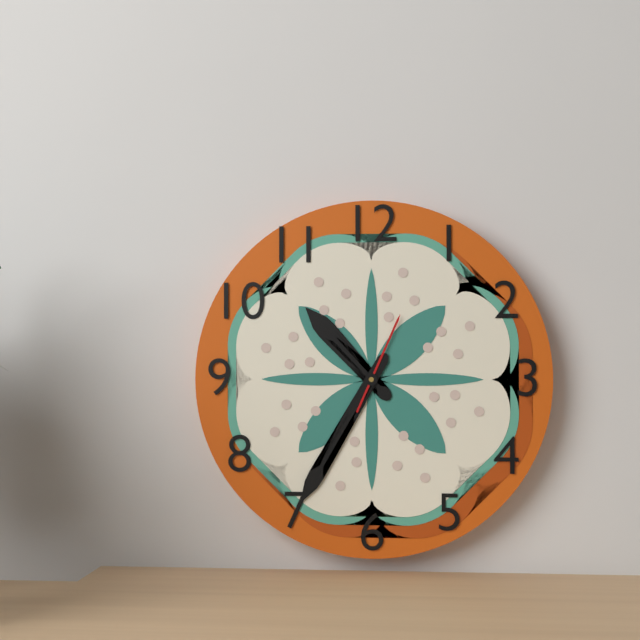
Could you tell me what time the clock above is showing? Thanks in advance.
10:35:04
